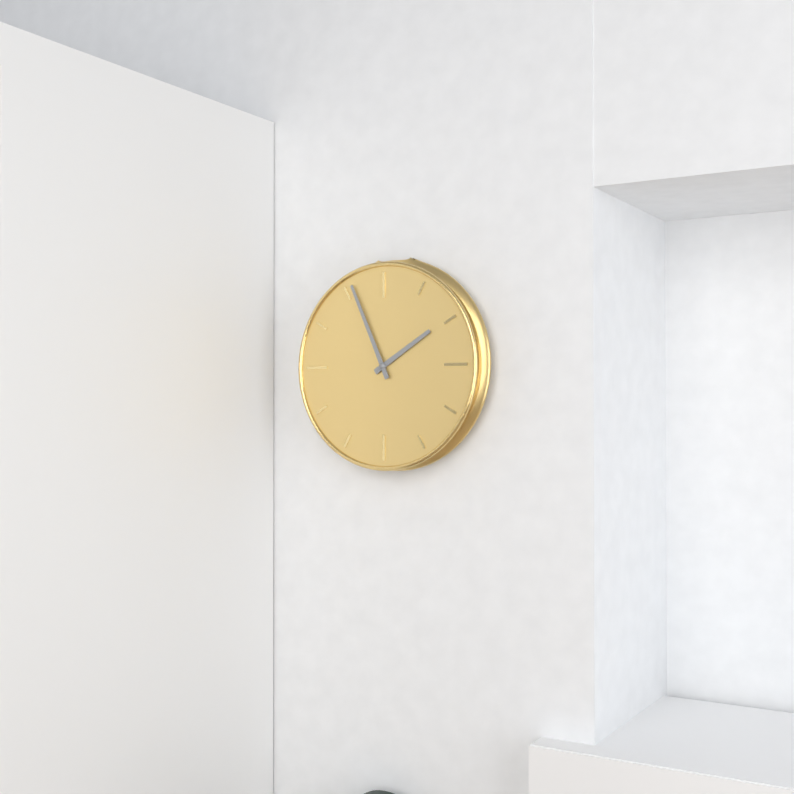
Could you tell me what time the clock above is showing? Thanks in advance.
1:56
